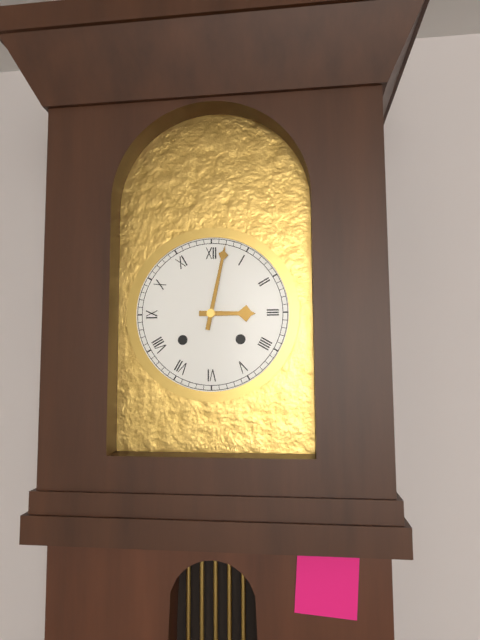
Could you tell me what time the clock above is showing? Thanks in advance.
3:02
